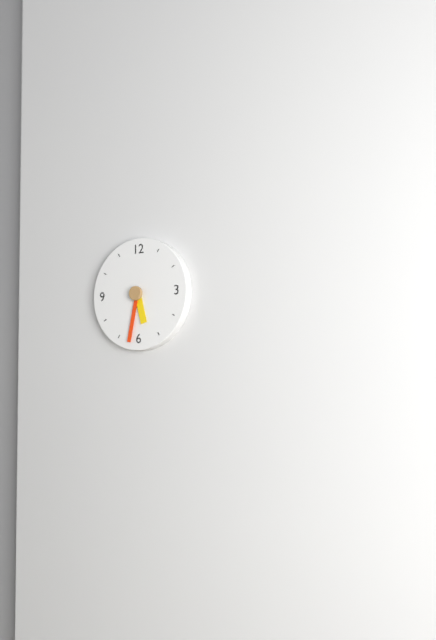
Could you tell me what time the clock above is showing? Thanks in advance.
5:32
